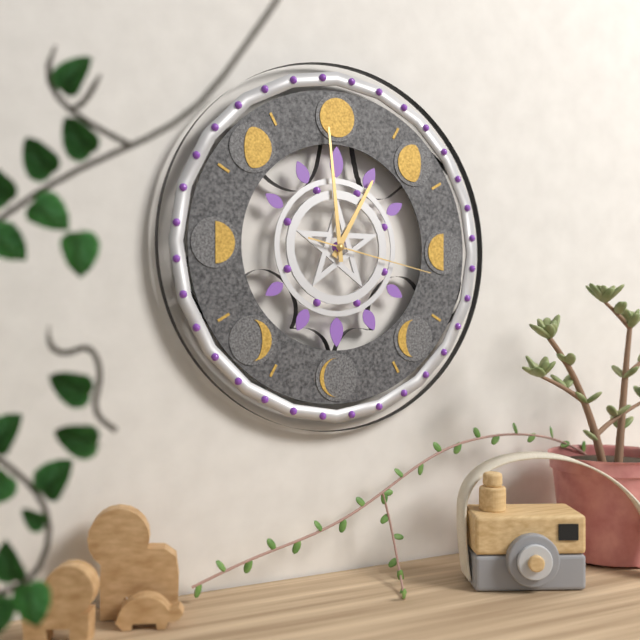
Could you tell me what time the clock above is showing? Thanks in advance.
12:59:17
